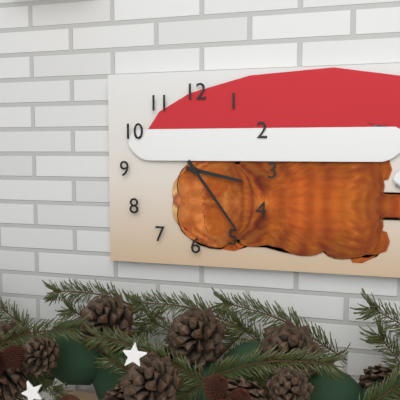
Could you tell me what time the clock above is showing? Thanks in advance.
3:24
